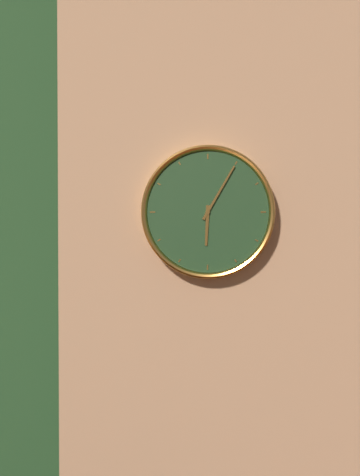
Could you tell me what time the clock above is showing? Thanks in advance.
6:05
